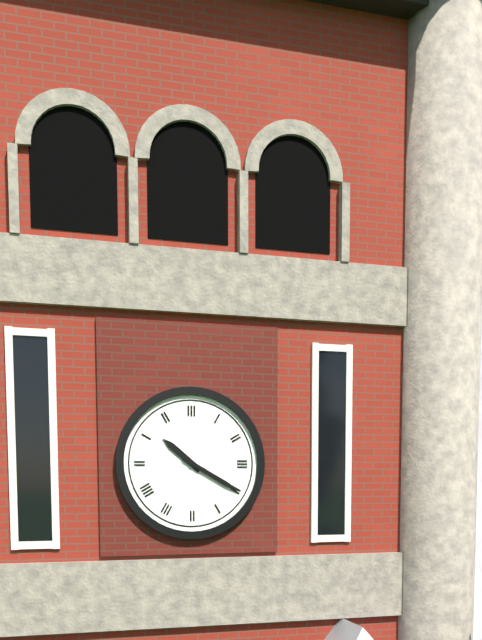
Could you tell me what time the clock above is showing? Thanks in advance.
10:20
